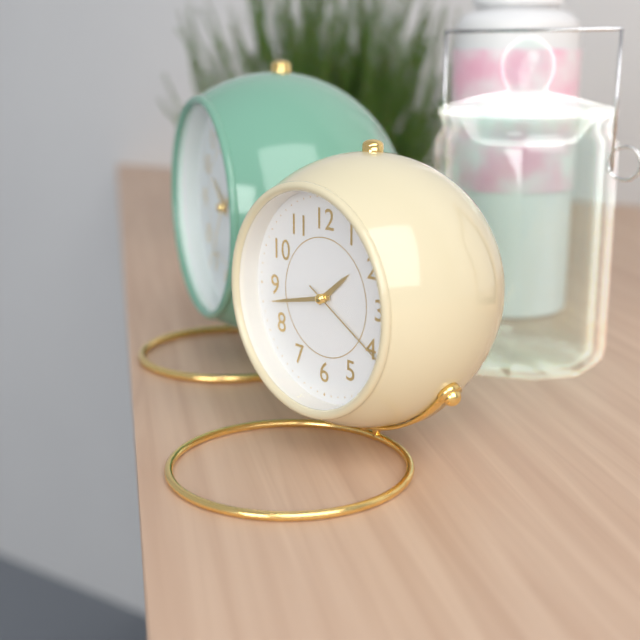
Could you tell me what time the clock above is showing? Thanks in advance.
1:43:20
